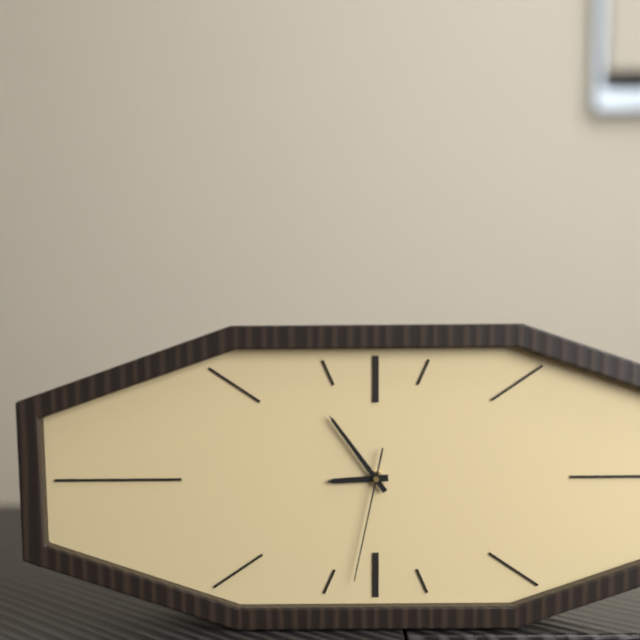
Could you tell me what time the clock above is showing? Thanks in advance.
8:54:32
